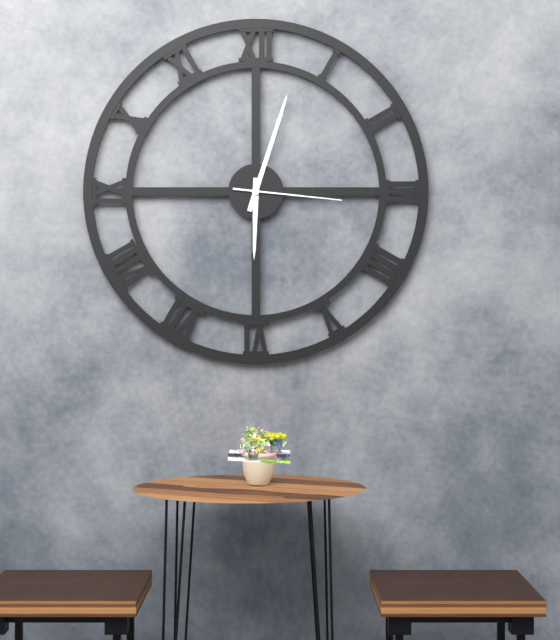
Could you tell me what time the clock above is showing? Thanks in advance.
6:03:16
